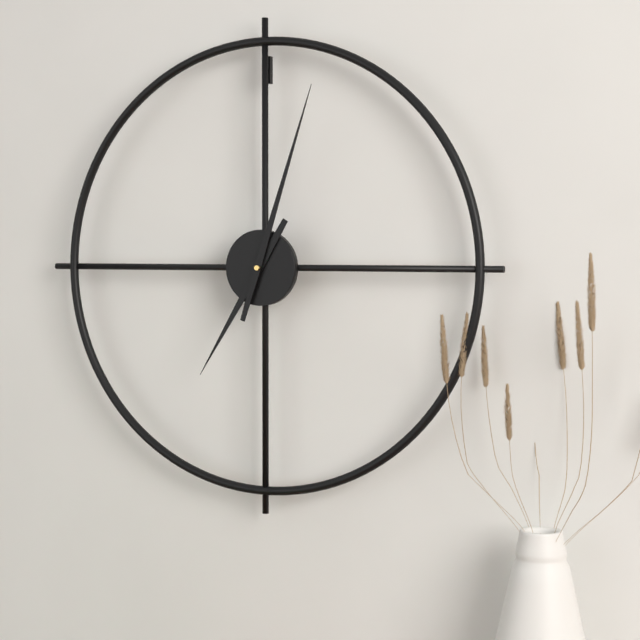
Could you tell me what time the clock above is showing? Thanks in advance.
7:03
